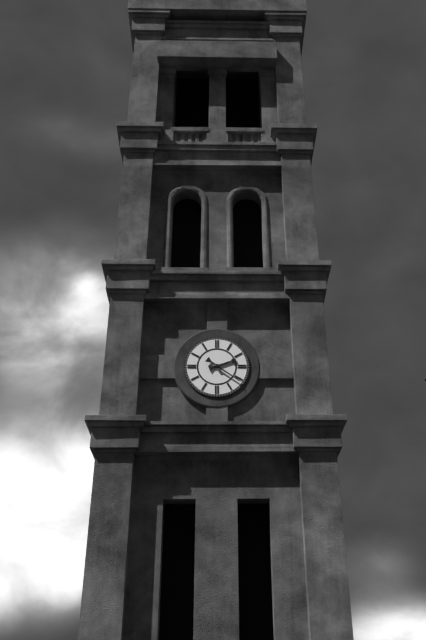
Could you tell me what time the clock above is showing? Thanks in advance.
2:21
